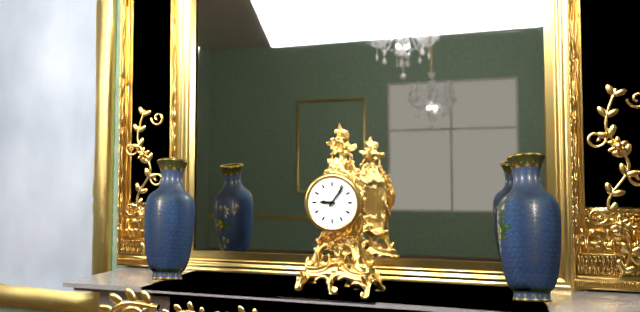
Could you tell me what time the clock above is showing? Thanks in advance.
9:06
